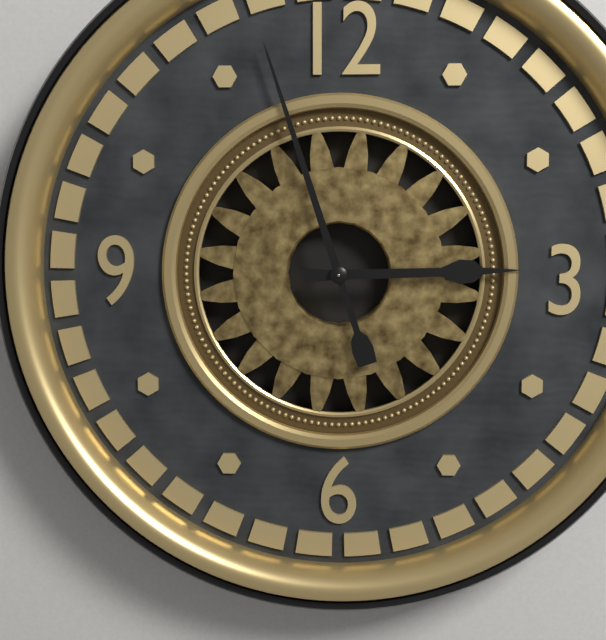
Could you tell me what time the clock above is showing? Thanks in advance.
2:57
